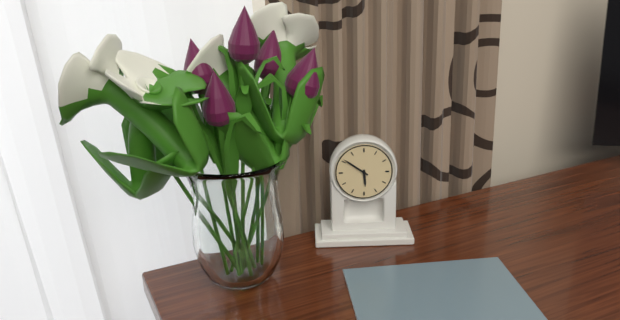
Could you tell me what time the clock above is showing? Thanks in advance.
5:51
